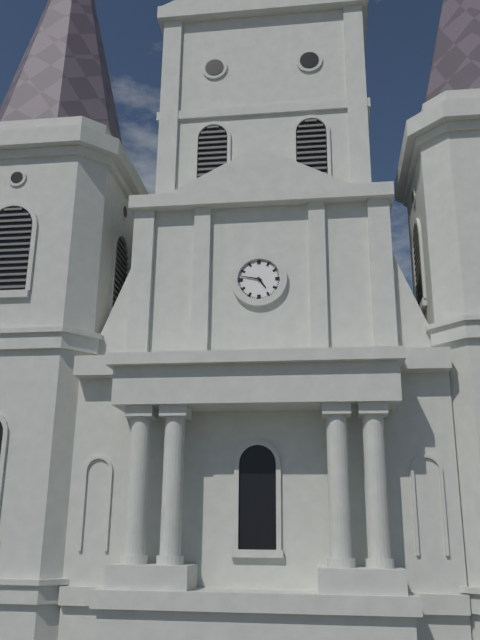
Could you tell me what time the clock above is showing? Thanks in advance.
4:47
